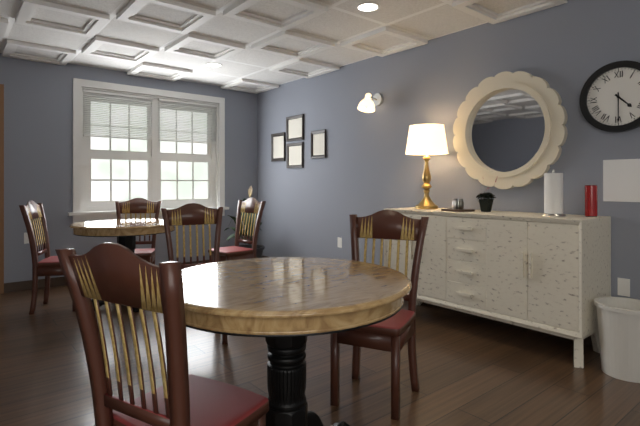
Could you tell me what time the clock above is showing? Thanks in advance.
4:30
